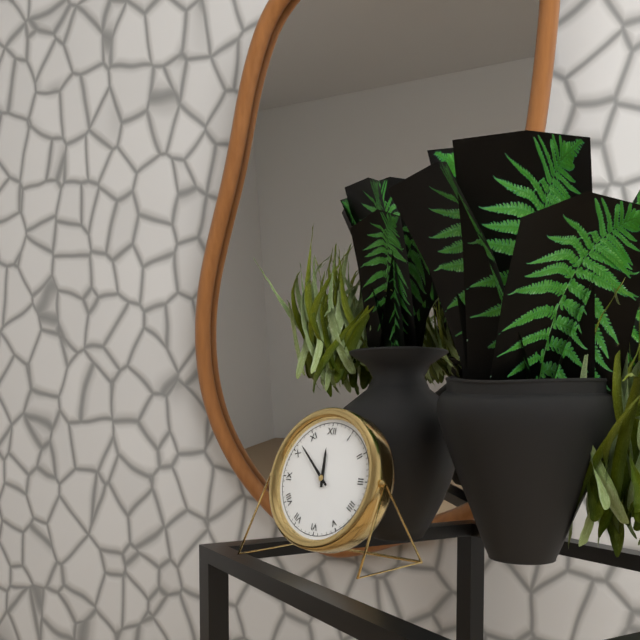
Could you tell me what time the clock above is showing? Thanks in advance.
11:52
